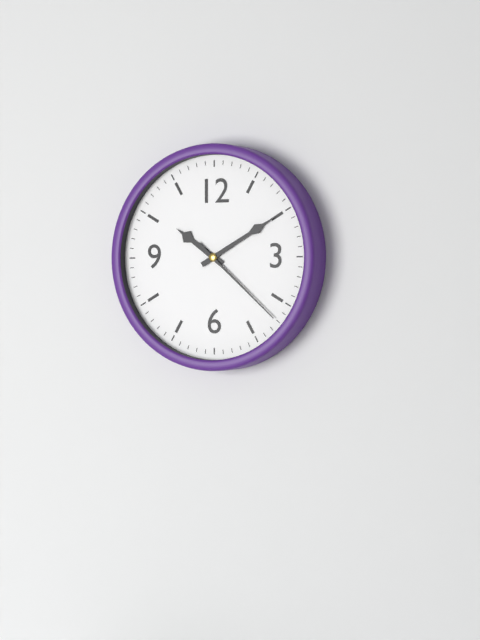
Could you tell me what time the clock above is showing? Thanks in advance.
10:10:22
